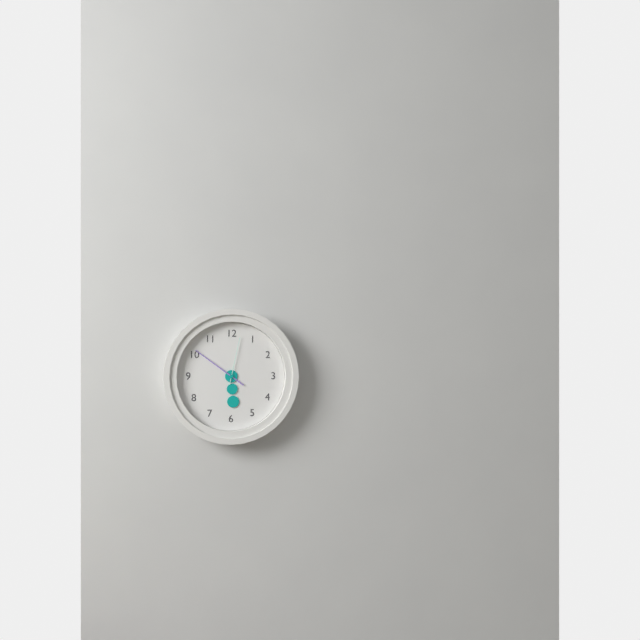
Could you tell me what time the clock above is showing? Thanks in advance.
5:51:02
